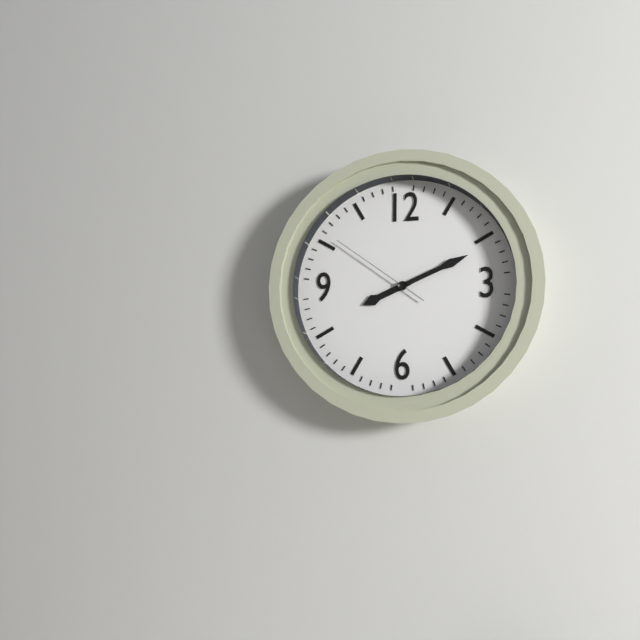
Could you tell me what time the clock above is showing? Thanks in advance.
8:11:51
